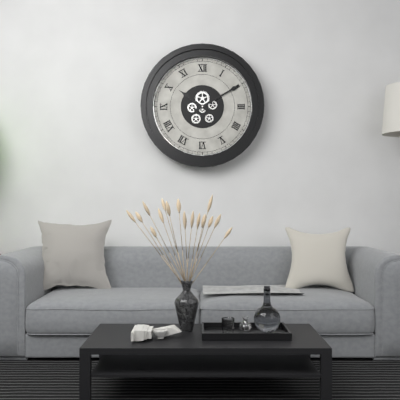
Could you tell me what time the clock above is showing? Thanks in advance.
10:10
